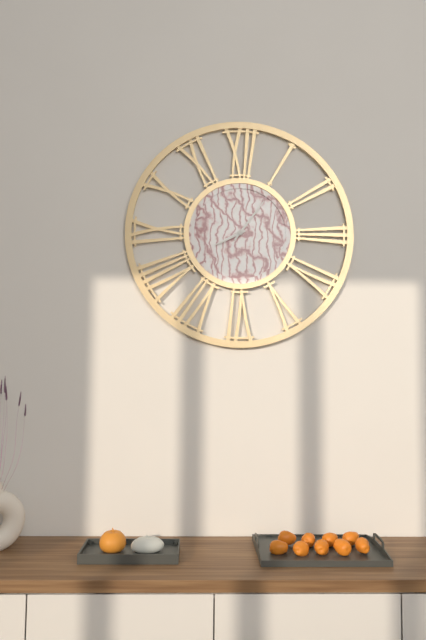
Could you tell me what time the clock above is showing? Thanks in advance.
8:06
